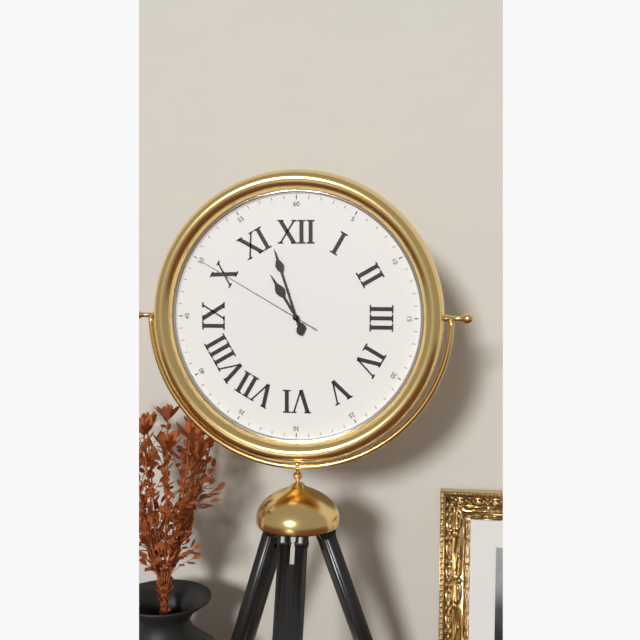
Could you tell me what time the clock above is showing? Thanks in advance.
10:57:50
